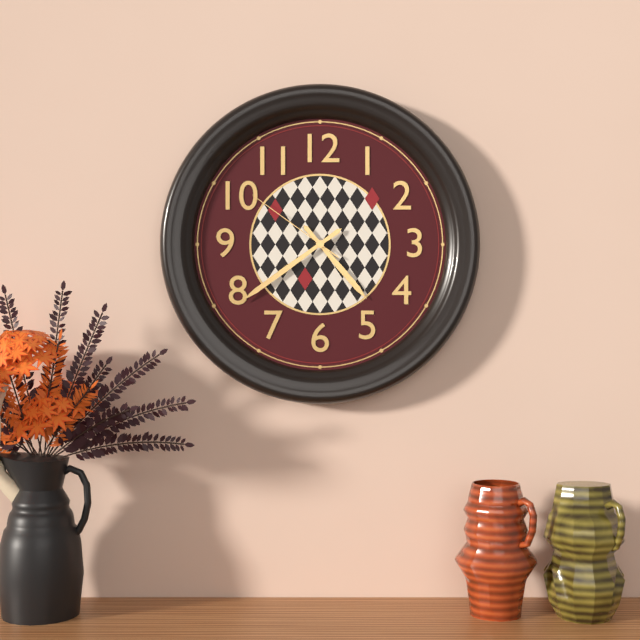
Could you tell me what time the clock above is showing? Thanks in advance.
4:39:51
